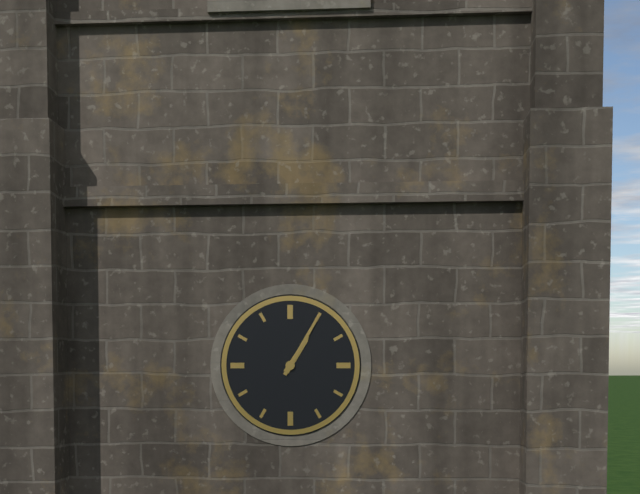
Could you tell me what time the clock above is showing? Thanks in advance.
1:05
